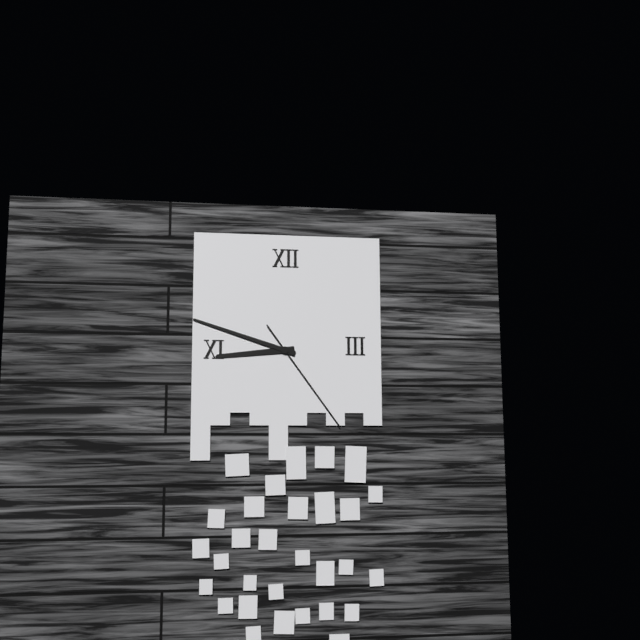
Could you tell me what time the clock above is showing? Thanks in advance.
8:48:24
